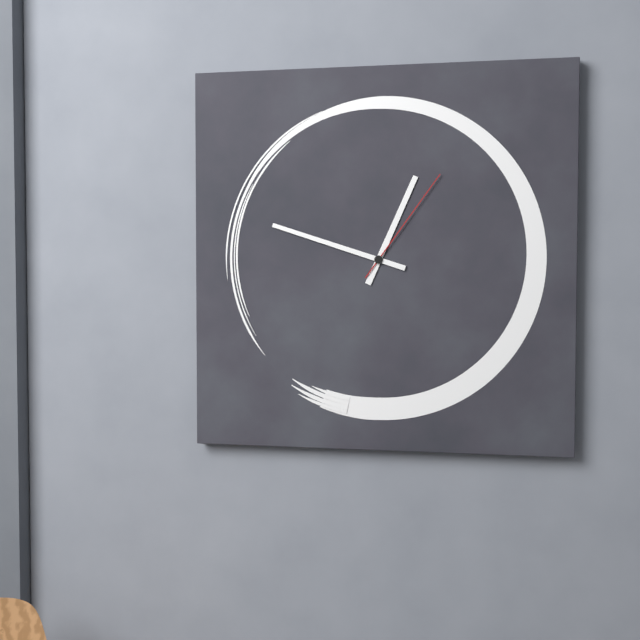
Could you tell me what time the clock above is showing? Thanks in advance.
12:48:06
